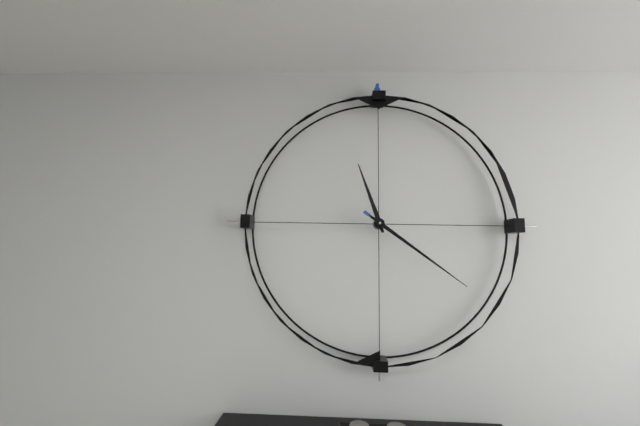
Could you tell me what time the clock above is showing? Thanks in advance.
11:21
